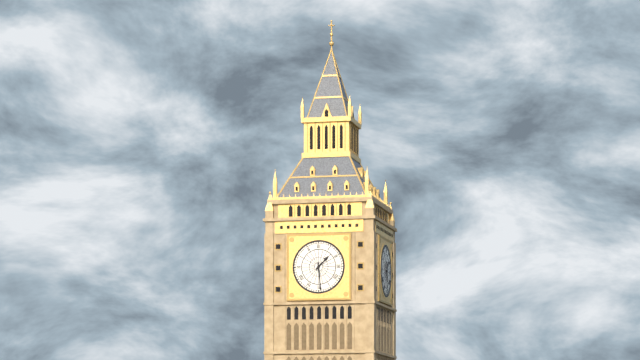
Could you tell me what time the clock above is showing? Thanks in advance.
1:29
